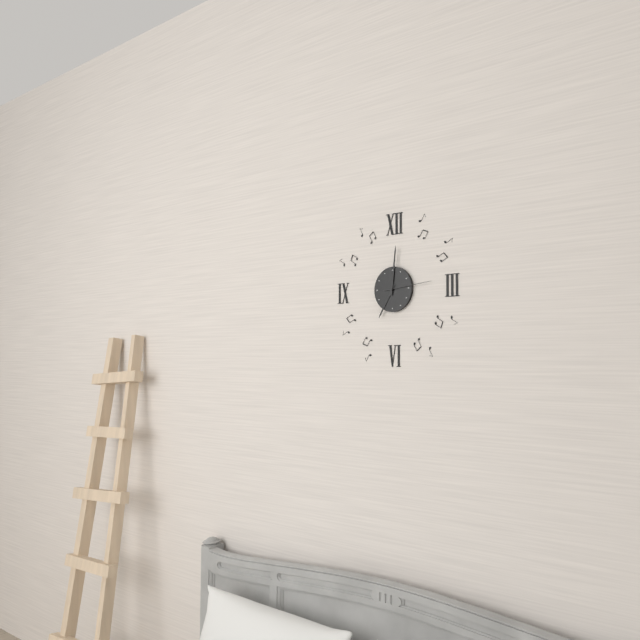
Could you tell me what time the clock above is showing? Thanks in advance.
7:01:14
